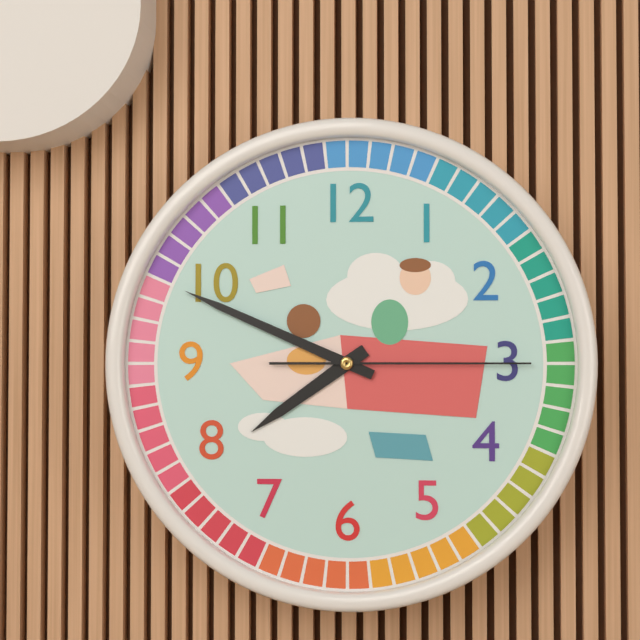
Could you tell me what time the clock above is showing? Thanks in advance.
7:49:15
